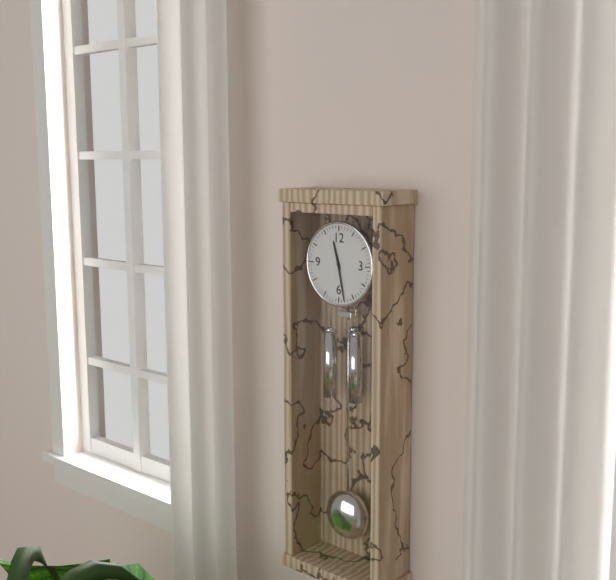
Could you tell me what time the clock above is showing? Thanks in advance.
11:28
